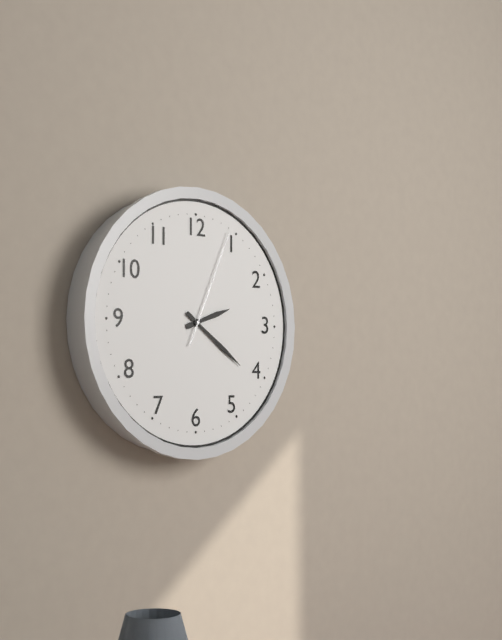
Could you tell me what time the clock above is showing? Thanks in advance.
2:21:04
